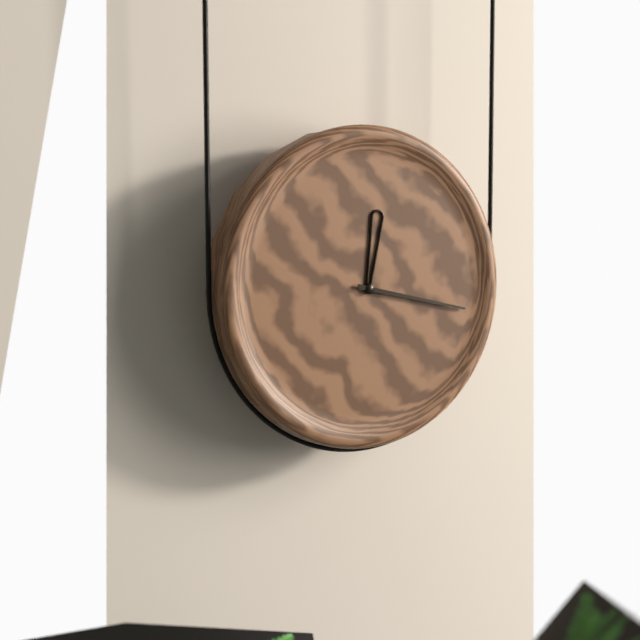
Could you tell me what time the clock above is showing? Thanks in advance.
12:17
